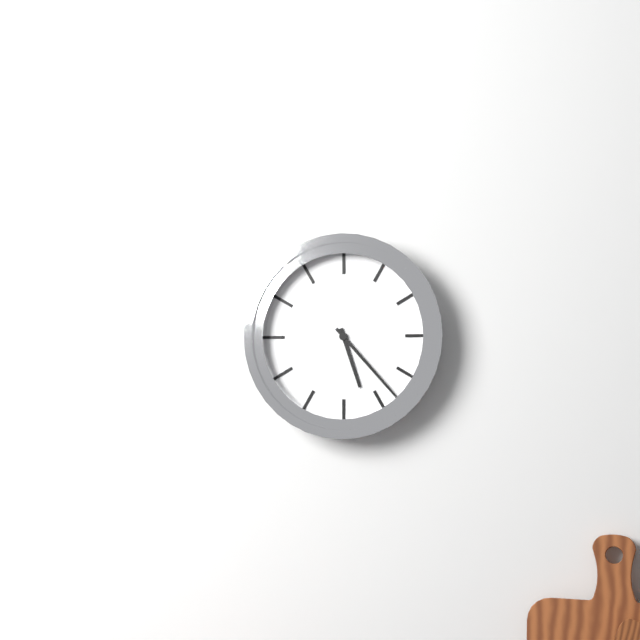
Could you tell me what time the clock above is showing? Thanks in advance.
5:23
